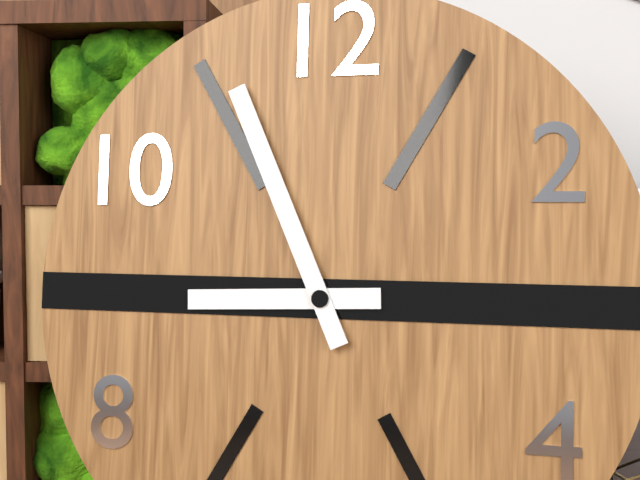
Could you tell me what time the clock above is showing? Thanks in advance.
8:56
